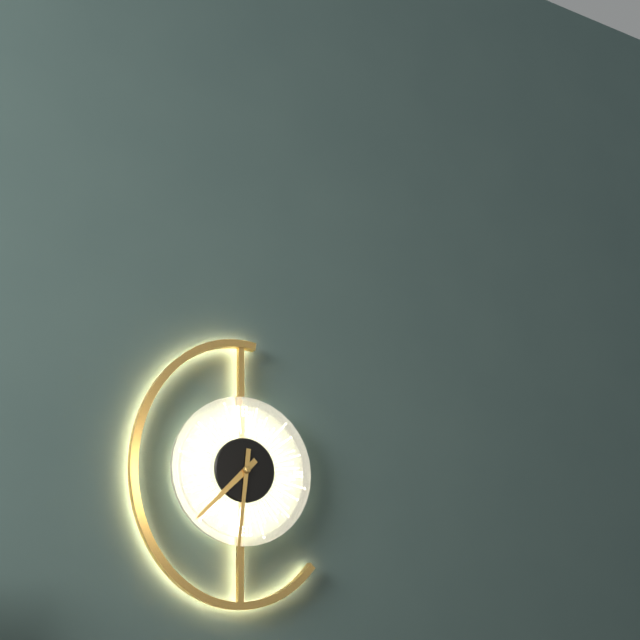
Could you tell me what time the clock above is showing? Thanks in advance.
7:31
